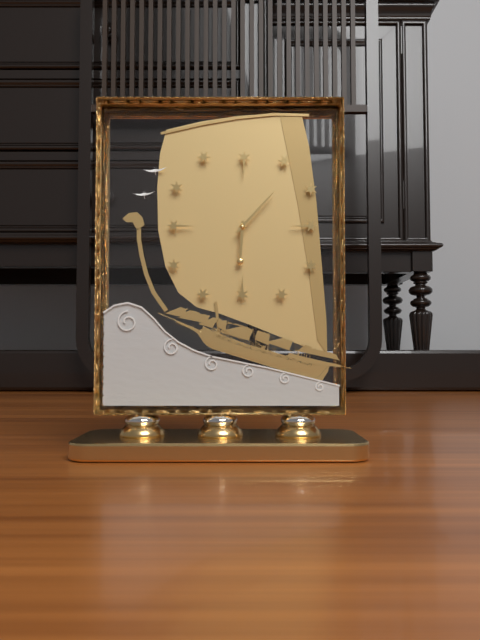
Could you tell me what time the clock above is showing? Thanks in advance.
6:07
